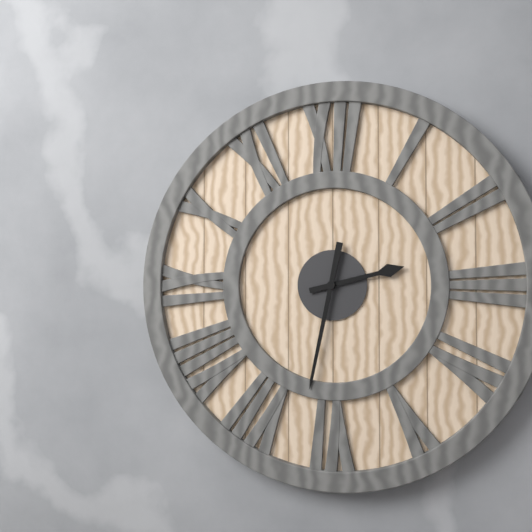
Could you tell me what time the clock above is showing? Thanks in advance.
2:32
